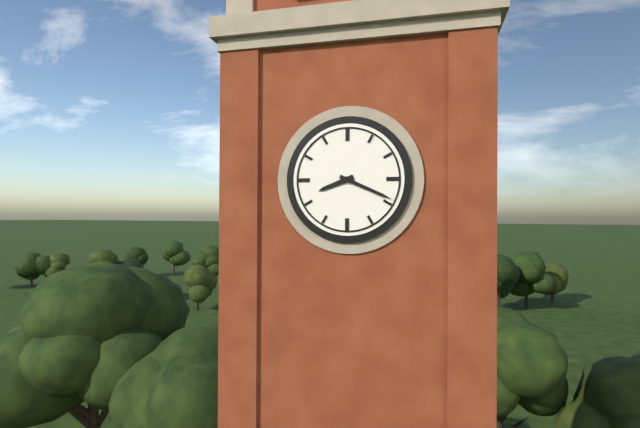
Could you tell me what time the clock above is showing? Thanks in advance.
8:19
